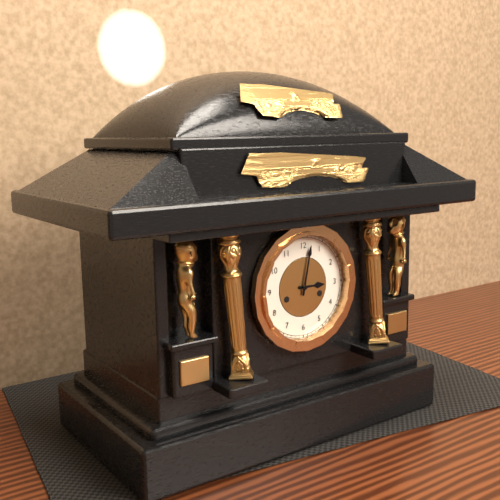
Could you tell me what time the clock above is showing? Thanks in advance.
3:02
